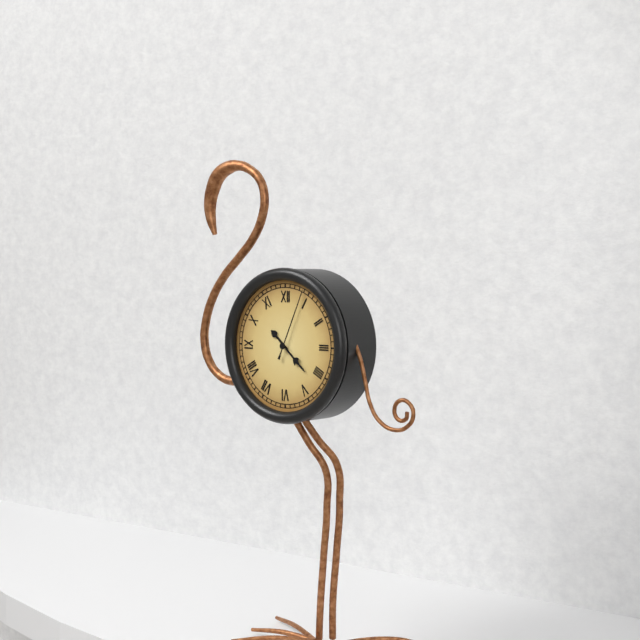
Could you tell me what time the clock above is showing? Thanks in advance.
10:22:04
